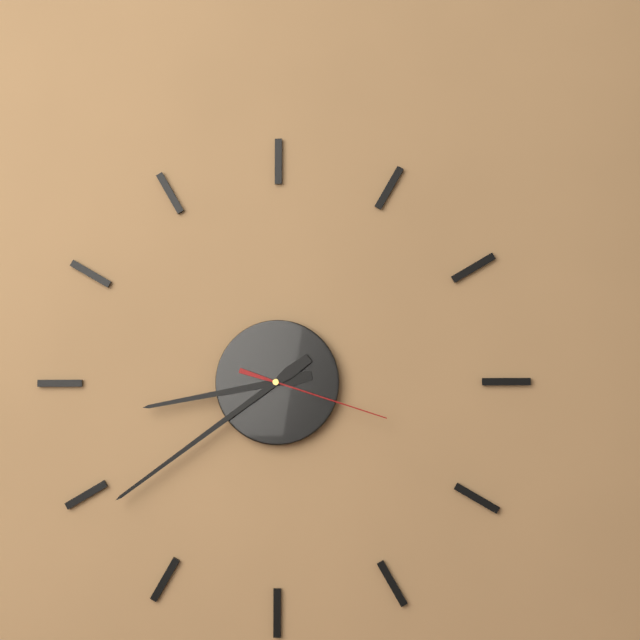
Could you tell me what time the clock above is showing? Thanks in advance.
8:39:18
